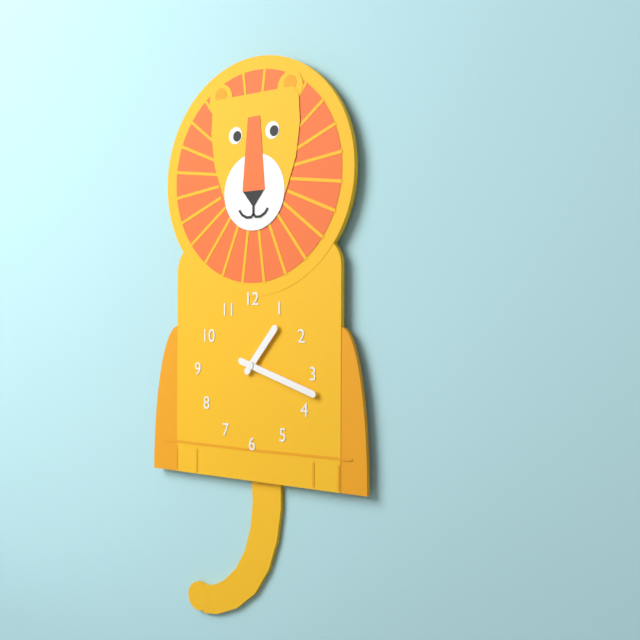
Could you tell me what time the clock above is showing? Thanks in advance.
1:18
